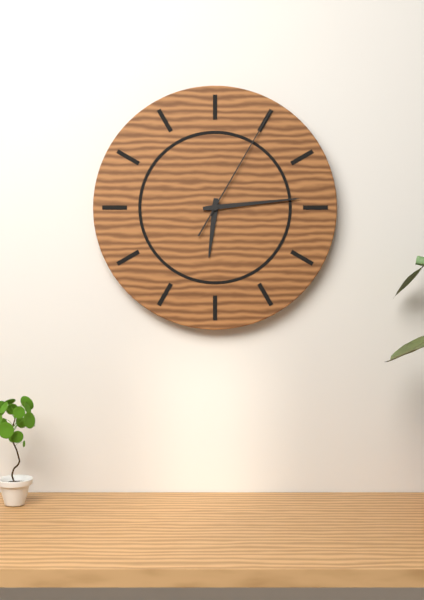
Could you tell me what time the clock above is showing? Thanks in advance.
6:14:05
